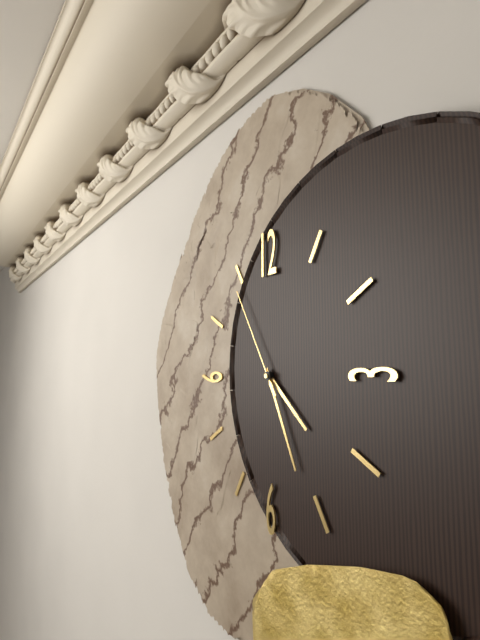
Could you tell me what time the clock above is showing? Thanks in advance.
4:26:55
